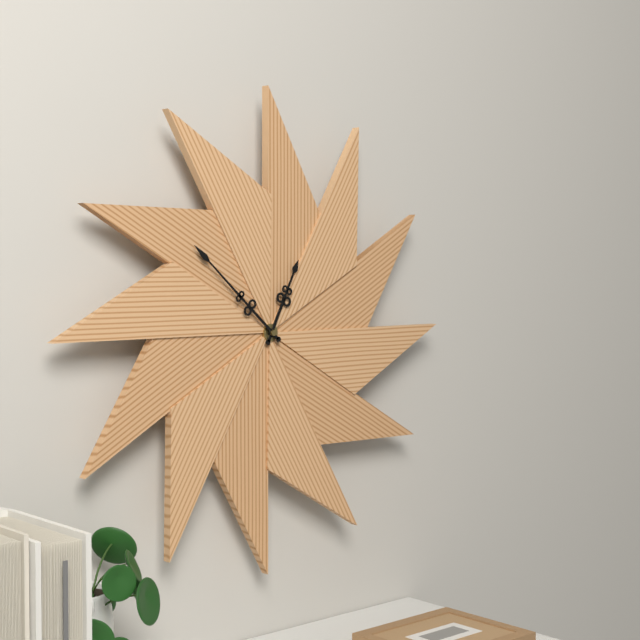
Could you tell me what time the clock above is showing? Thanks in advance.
12:52
